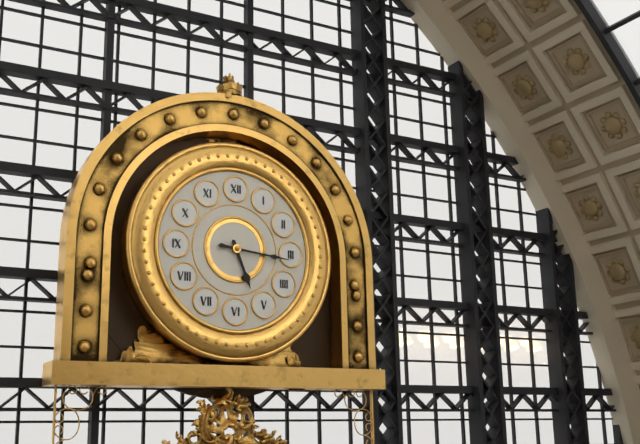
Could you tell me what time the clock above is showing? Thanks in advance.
5:16
